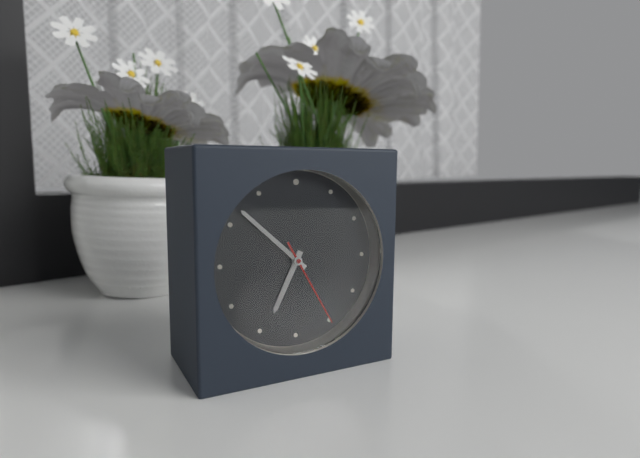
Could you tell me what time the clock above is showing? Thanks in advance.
6:52:25
